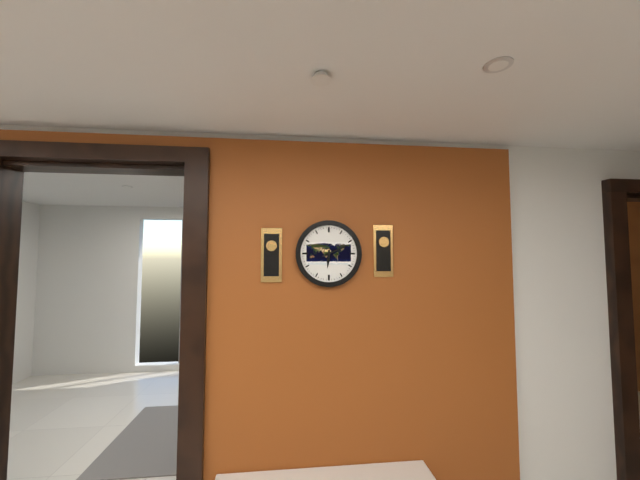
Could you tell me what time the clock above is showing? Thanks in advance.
6:11
